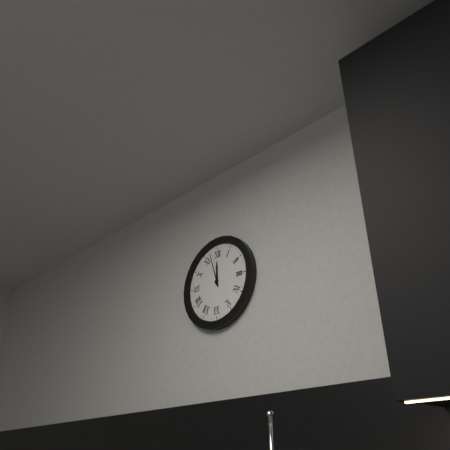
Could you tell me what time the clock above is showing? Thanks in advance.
11:57
